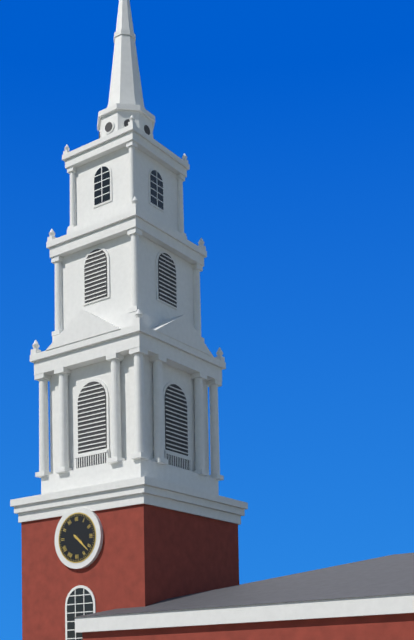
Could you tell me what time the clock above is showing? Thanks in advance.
4:22
